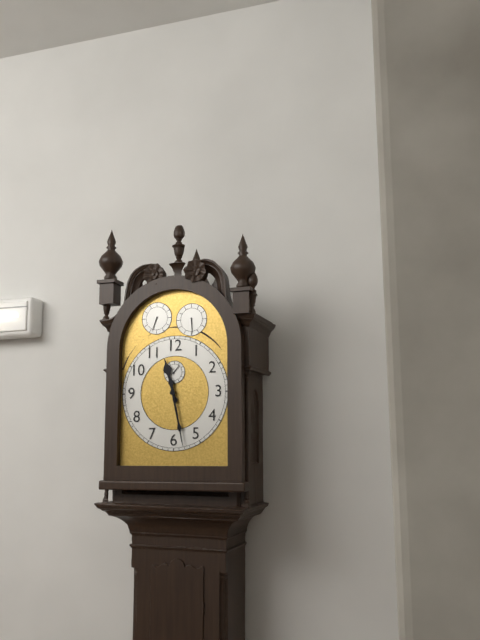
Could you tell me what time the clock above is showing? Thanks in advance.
11:28
